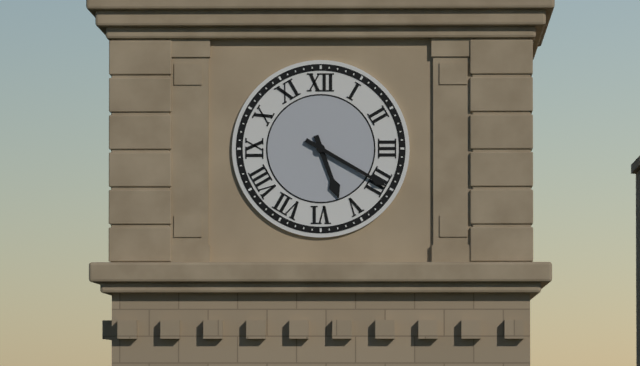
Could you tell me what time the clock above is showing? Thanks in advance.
5:20
